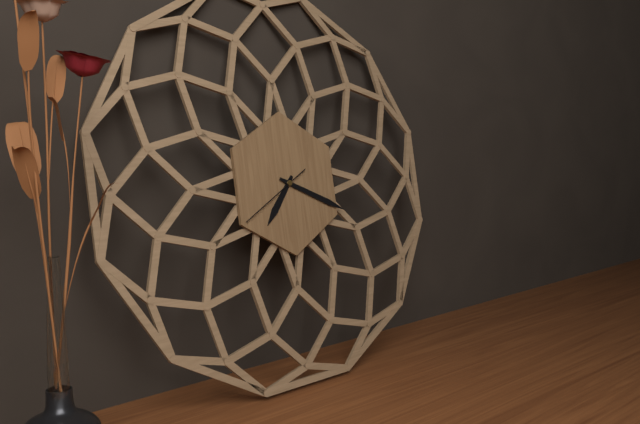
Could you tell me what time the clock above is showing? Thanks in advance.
7:19:40
